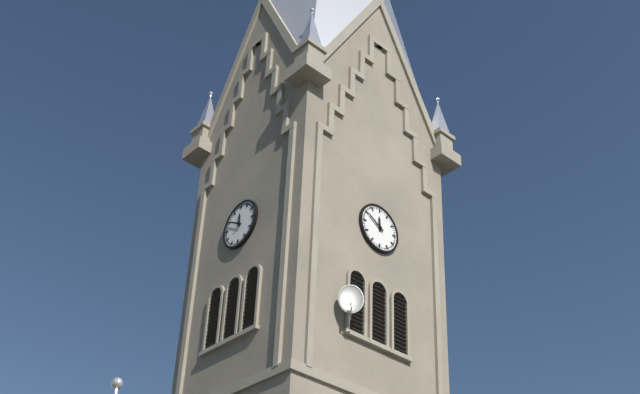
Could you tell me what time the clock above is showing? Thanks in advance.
11:50
